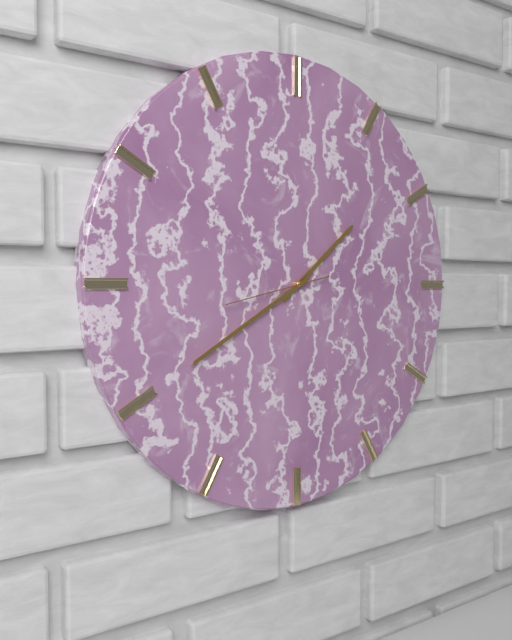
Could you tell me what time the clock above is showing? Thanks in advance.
1:40:43
